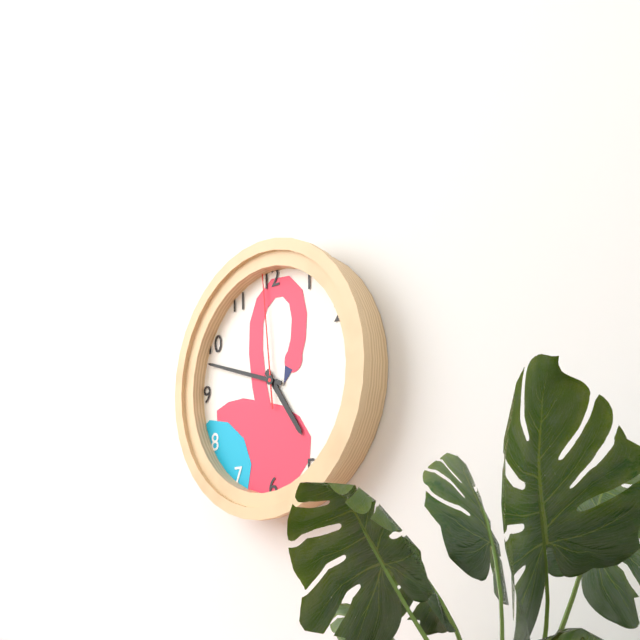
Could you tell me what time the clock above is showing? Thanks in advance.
4:48:59
